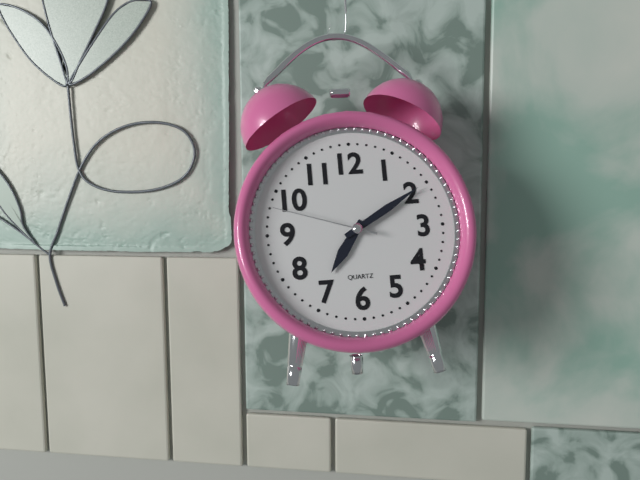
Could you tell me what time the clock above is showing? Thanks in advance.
7:10:48
